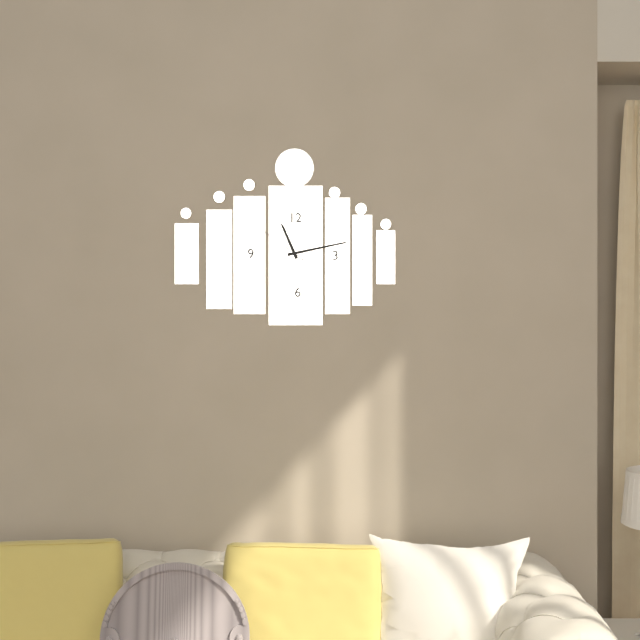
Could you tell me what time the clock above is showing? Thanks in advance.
11:13:51
